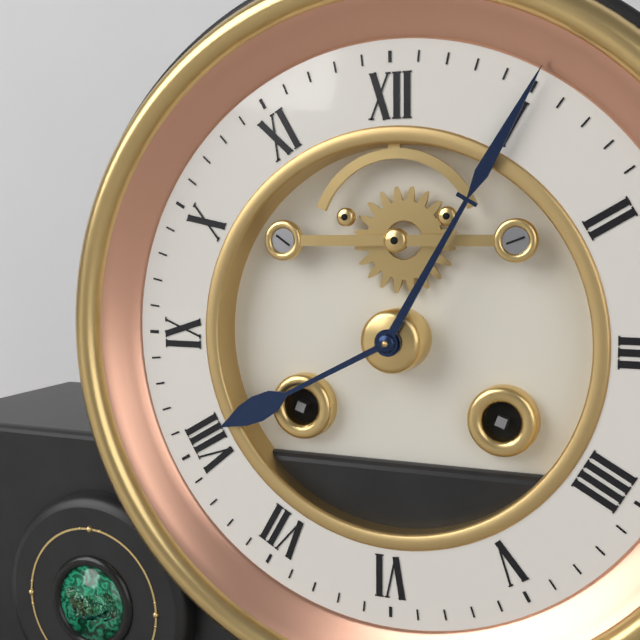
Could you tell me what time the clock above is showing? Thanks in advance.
8:05
